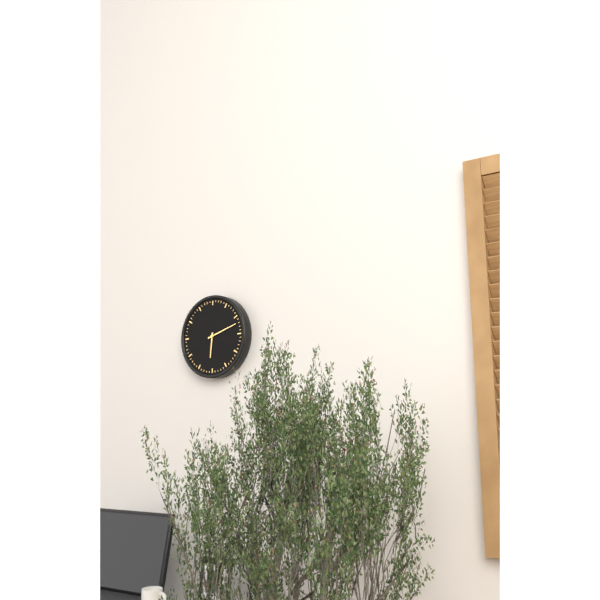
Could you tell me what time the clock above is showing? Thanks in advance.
6:12
